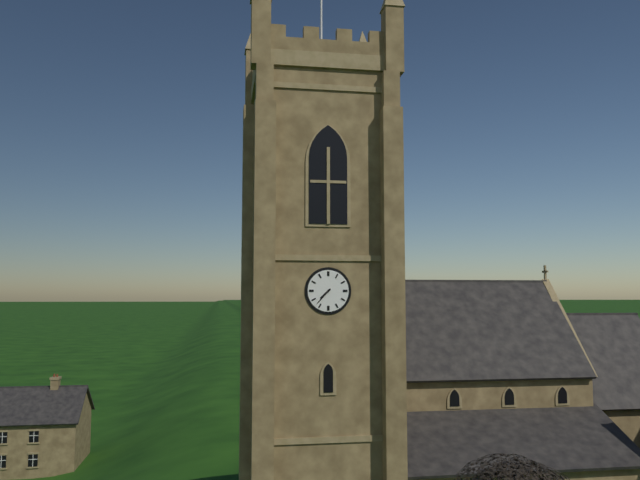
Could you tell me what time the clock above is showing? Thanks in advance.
7:37
